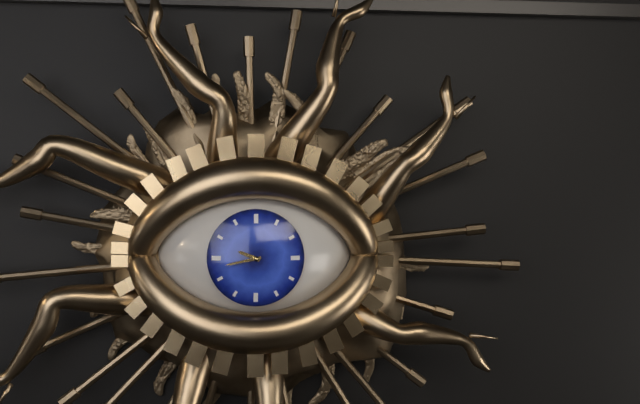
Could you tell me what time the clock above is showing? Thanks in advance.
9:43
